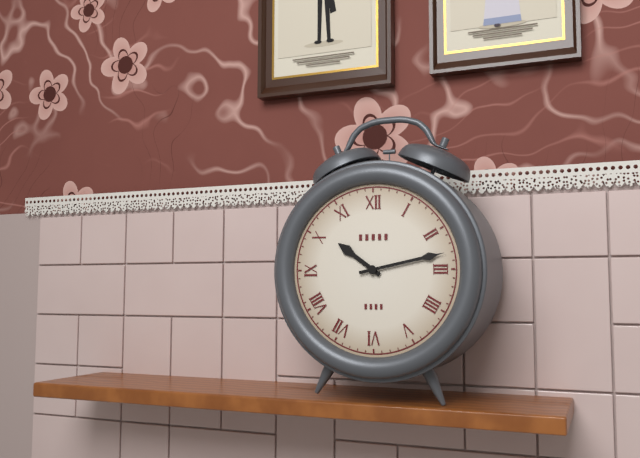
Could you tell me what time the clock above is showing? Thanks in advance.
10:13
